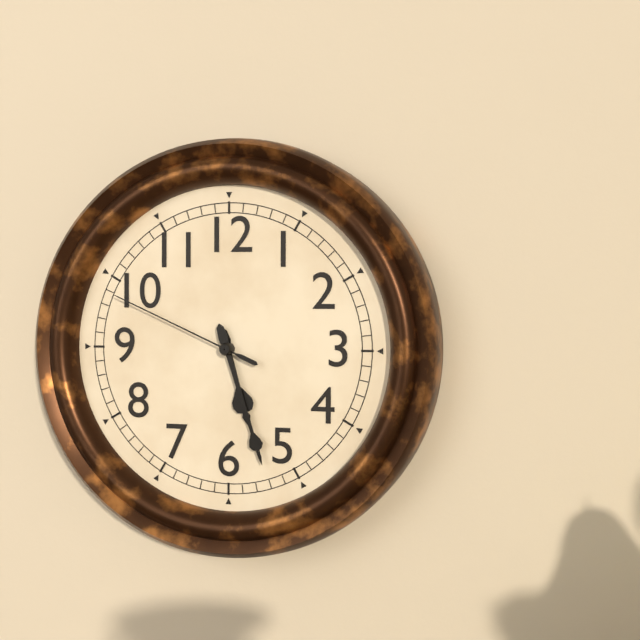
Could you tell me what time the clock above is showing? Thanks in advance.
5:27:49
